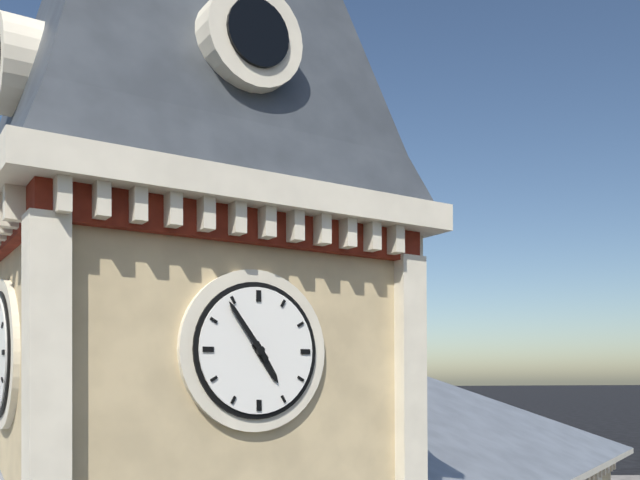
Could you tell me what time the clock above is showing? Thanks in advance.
4:54
